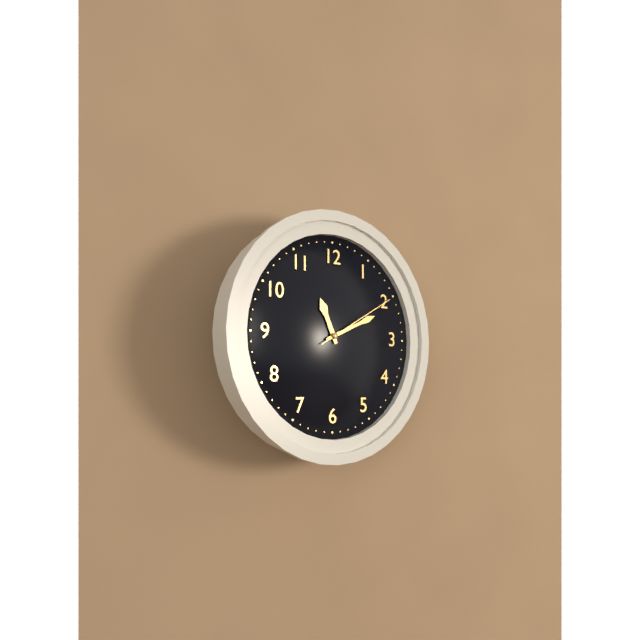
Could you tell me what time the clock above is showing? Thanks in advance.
11:11:10
